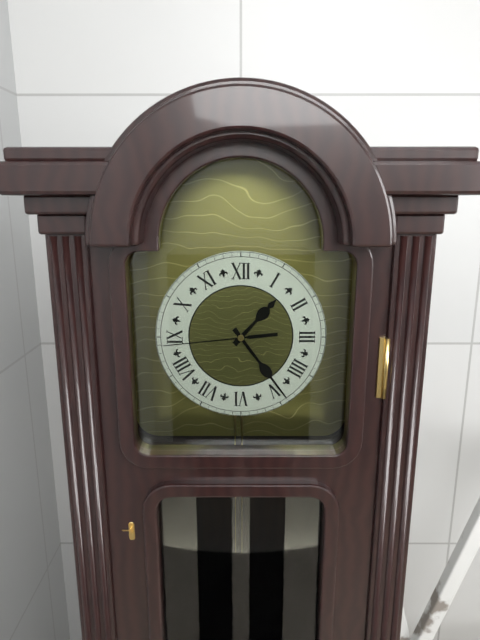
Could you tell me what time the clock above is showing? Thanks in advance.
1:24:44
